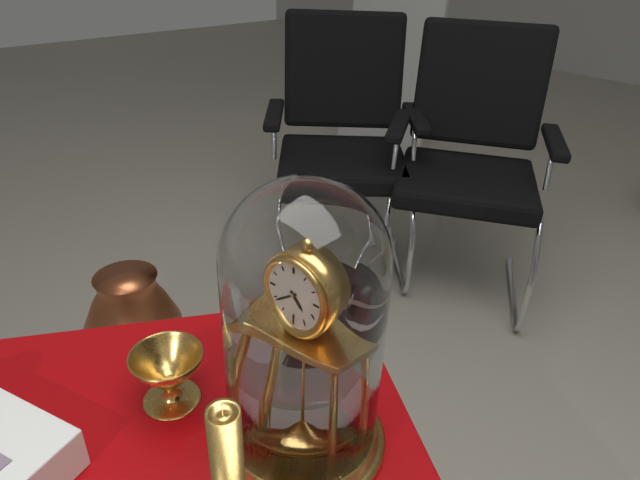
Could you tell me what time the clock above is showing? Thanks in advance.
4:39
